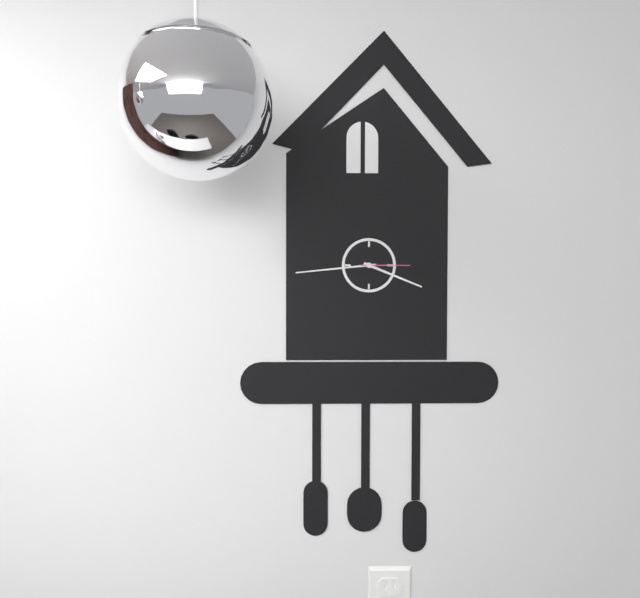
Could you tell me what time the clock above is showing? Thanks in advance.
3:44:15
